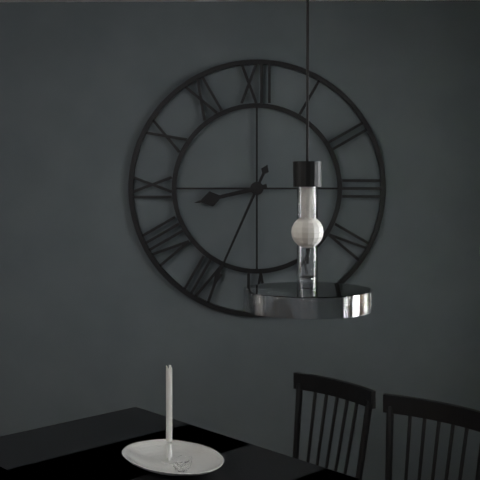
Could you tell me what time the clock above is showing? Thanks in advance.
8:34
